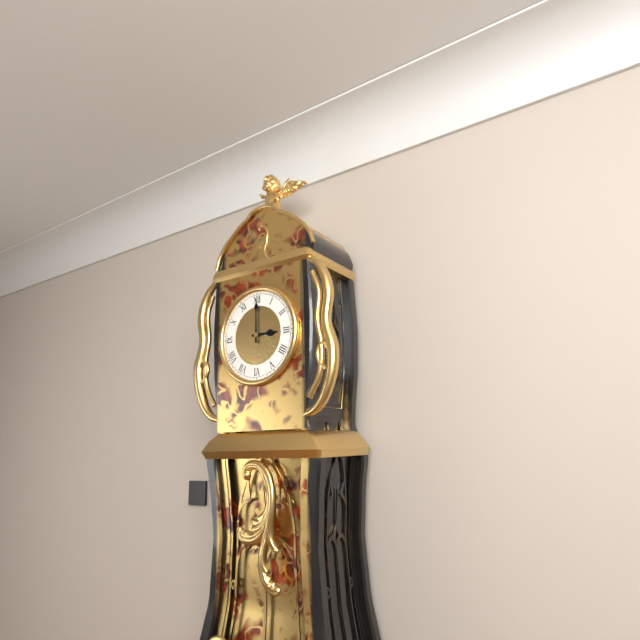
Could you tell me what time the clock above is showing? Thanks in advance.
3:00
